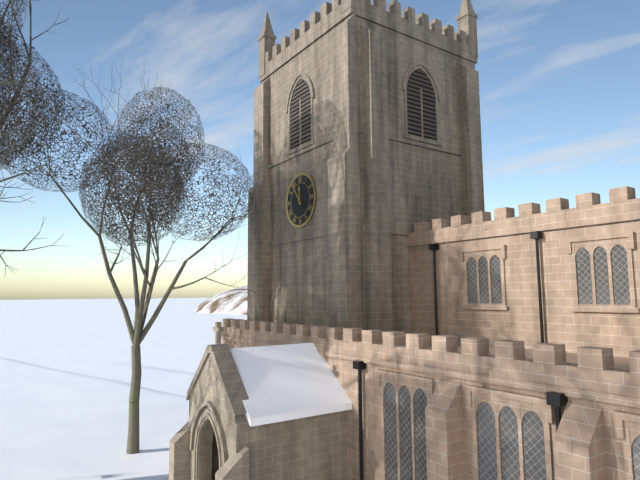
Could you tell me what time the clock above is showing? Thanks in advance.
11:54
